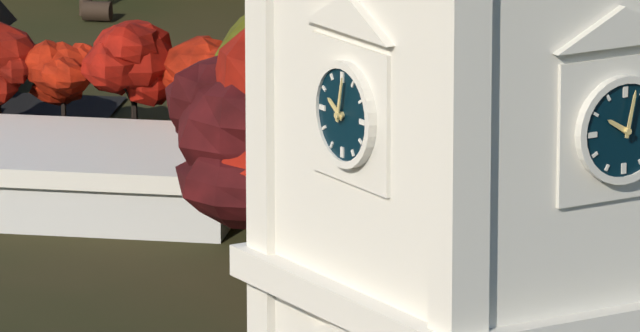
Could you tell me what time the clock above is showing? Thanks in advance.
10:02
